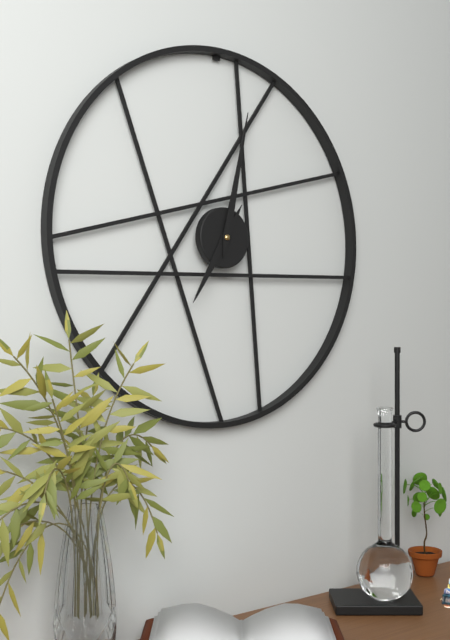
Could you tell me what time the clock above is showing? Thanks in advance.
7:02
